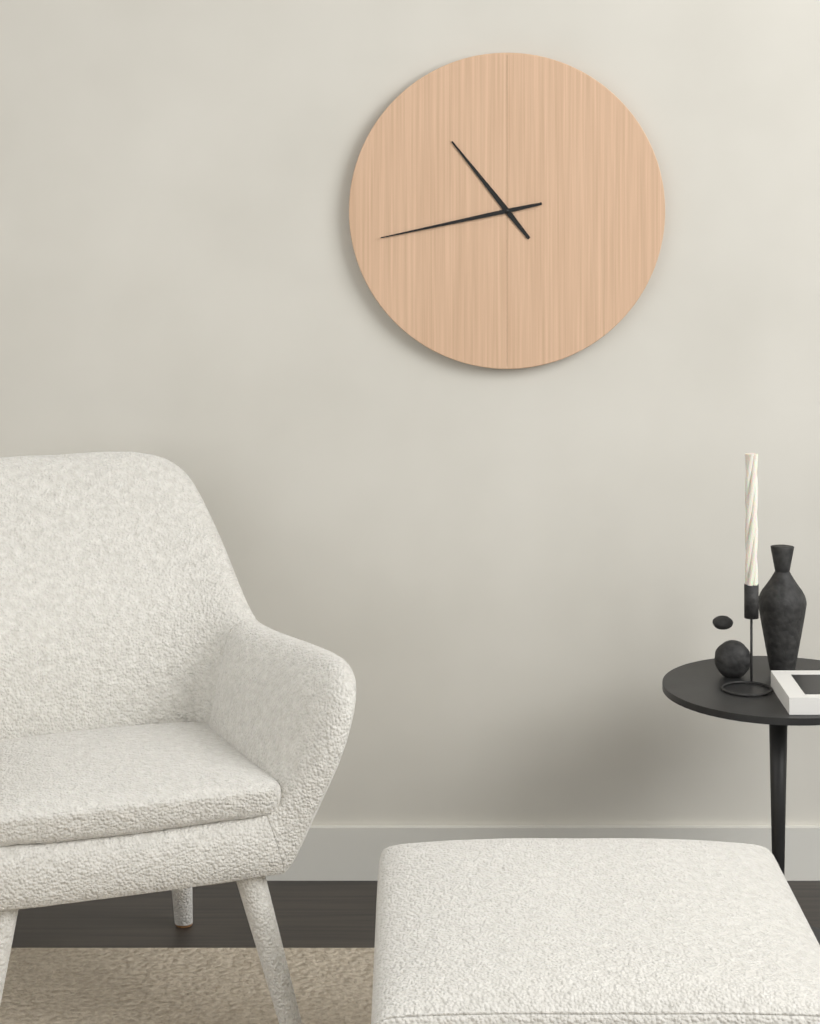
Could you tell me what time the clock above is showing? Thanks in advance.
10:43
